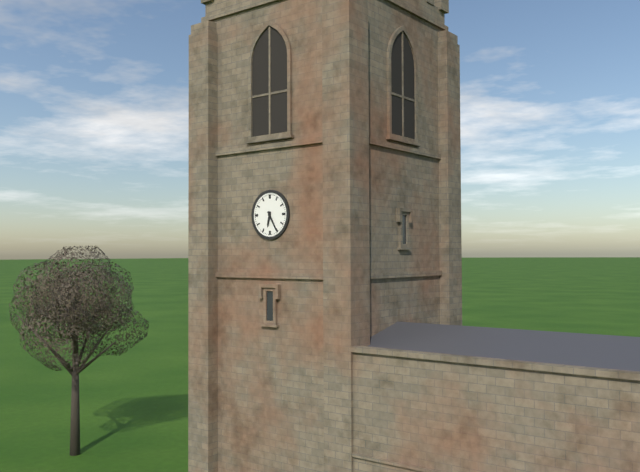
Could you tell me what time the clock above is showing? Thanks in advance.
6:25
